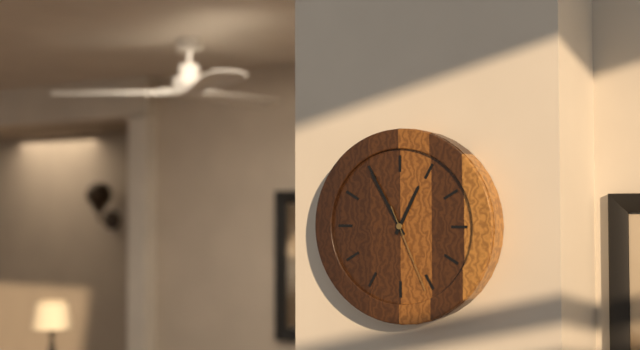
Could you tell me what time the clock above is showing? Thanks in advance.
12:55:26
